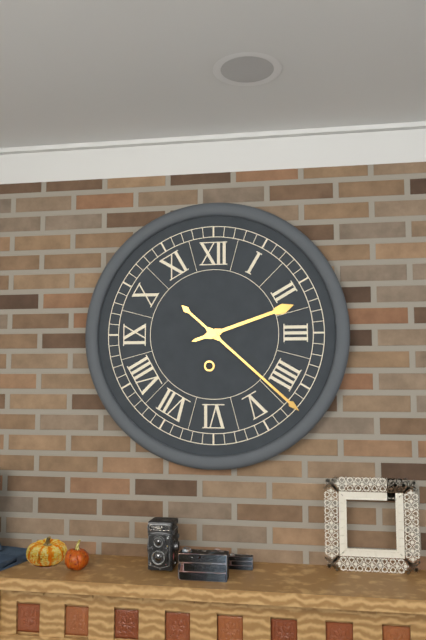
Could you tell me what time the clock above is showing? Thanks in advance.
2:22
